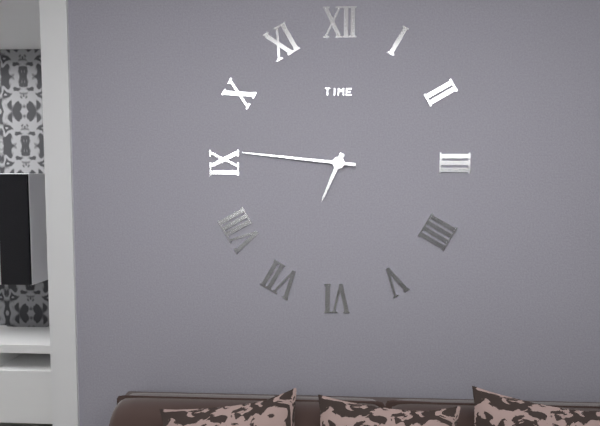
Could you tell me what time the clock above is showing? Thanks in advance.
6:46
